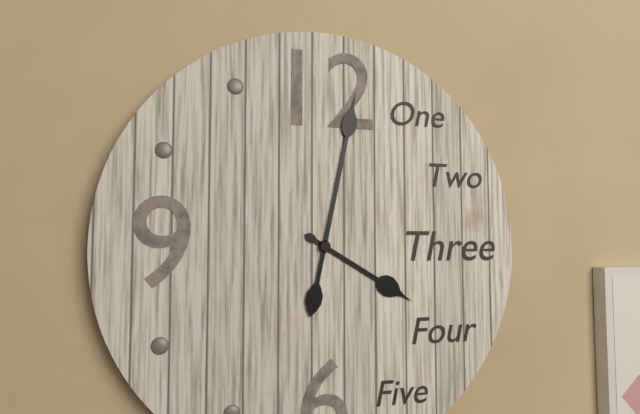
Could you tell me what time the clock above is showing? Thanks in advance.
4:02
